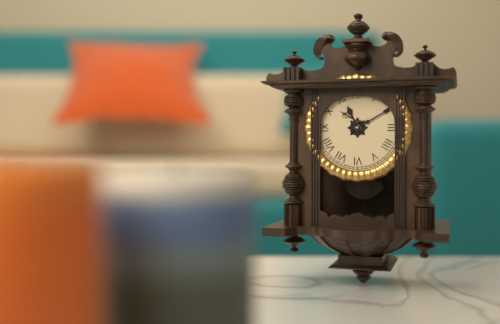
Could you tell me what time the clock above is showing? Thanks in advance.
11:10
